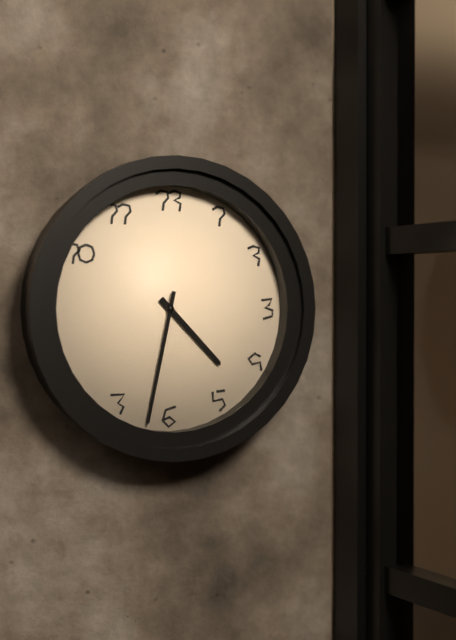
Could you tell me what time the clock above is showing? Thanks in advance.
4:32
